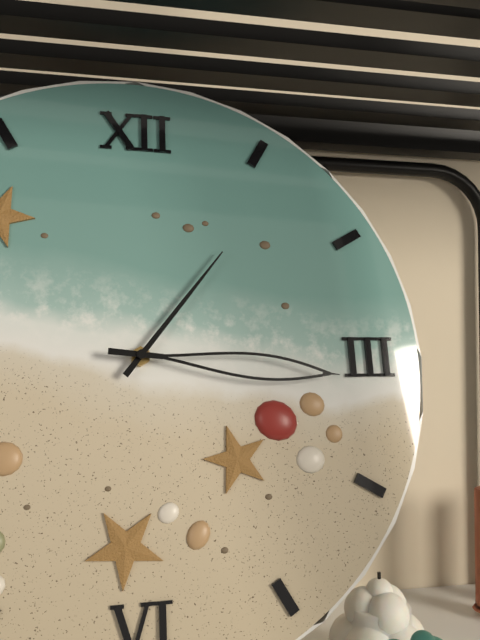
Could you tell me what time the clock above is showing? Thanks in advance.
1:16
